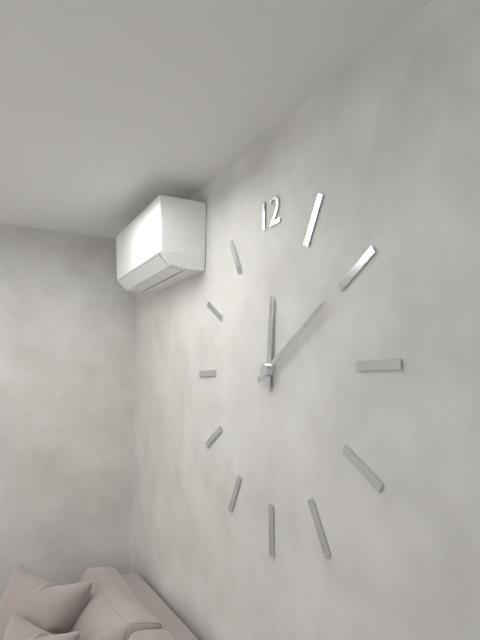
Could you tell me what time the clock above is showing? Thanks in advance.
12:10
